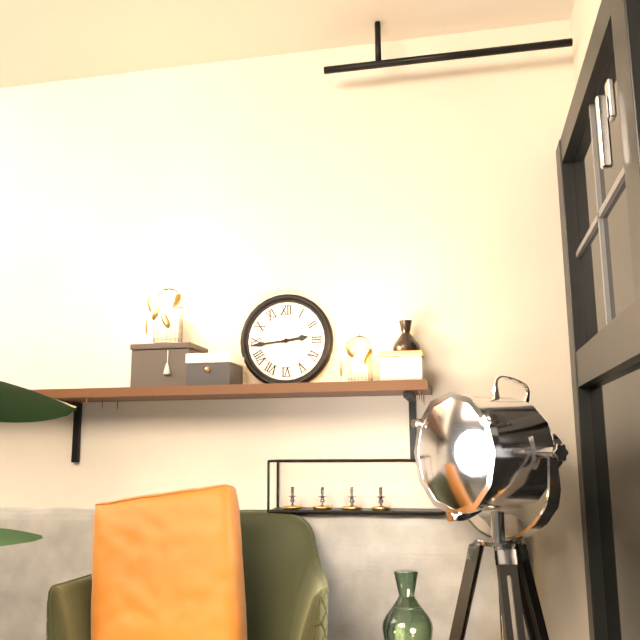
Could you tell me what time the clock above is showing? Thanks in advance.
2:44
